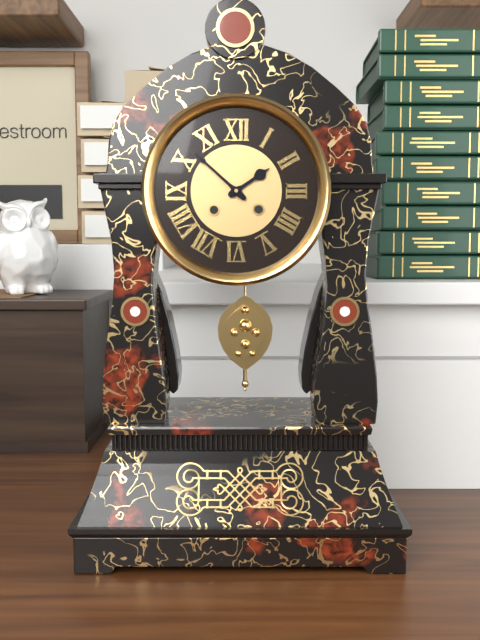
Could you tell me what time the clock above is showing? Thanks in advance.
1:52
